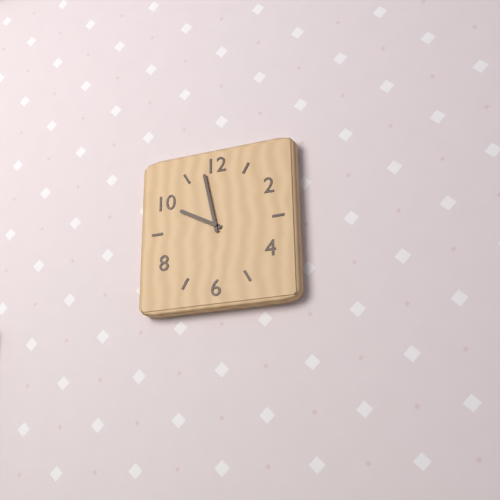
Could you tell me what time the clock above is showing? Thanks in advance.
9:58
